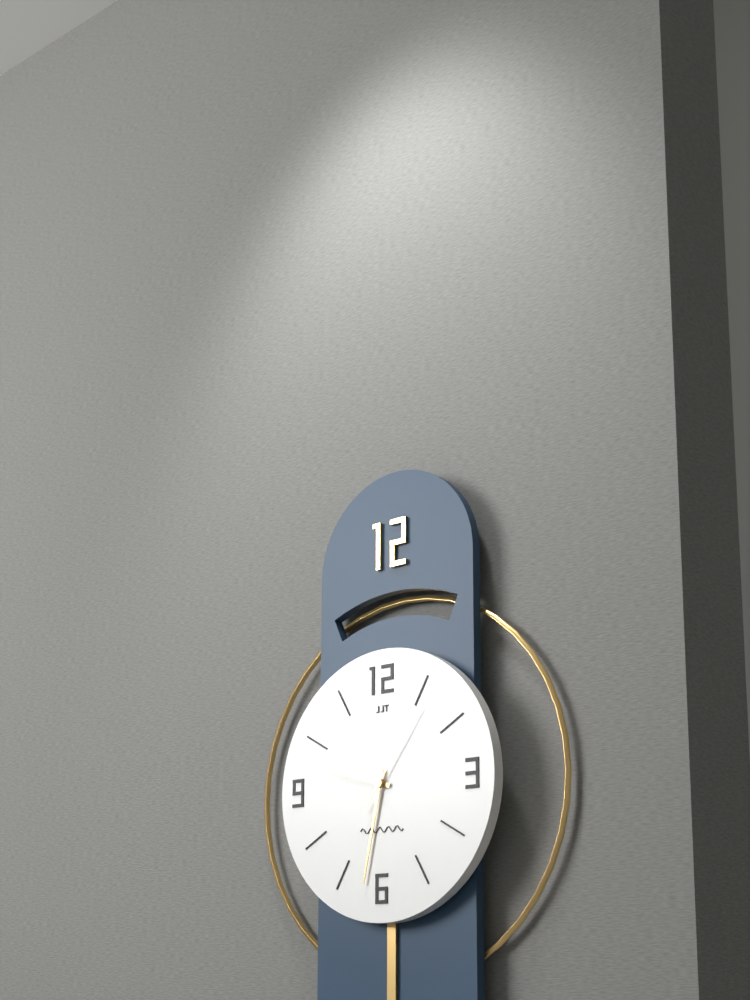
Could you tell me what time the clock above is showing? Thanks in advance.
9:32:06
